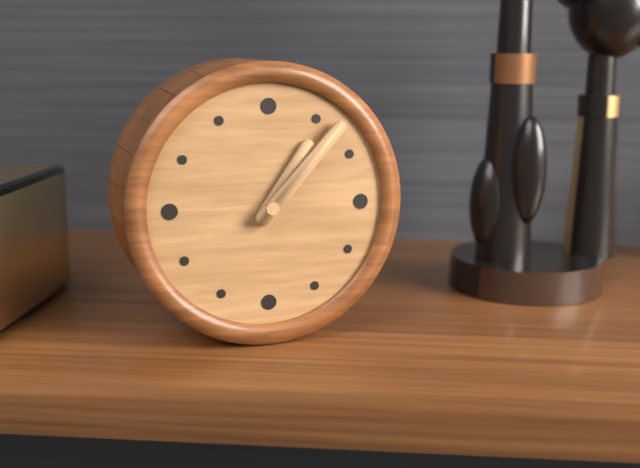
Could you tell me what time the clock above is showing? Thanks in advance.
1:07
